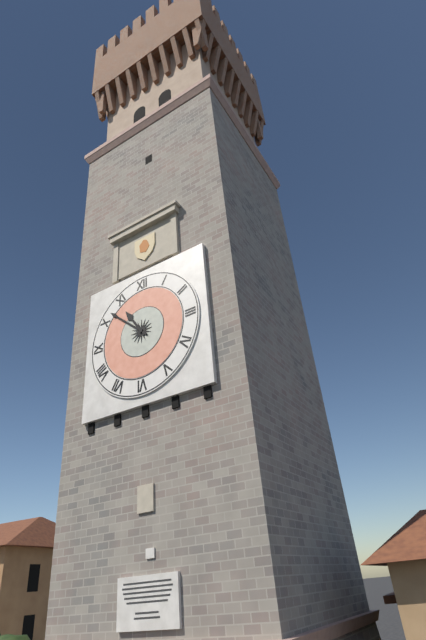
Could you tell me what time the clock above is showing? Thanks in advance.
10:52
